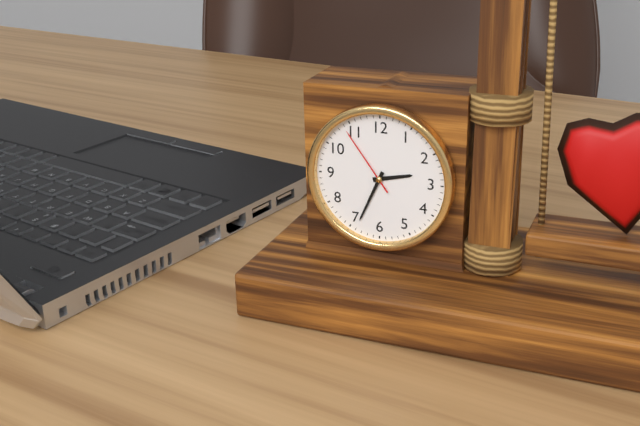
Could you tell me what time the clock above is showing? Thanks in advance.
2:34:54
